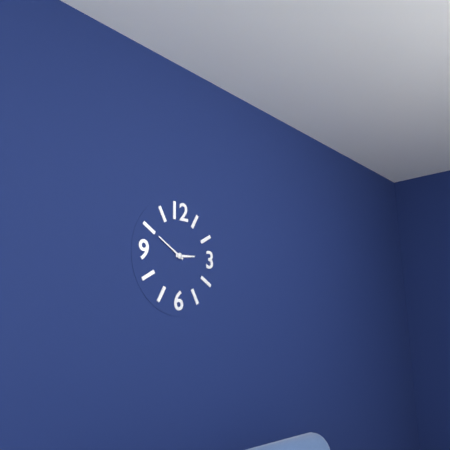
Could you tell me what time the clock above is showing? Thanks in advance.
2:50
